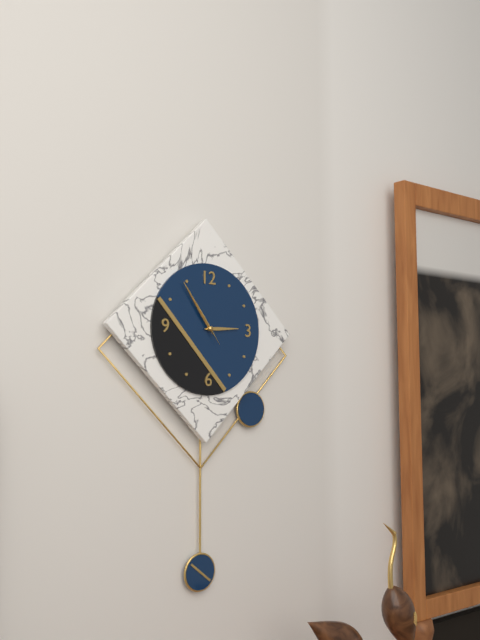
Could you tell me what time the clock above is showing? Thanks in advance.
2:54:54
